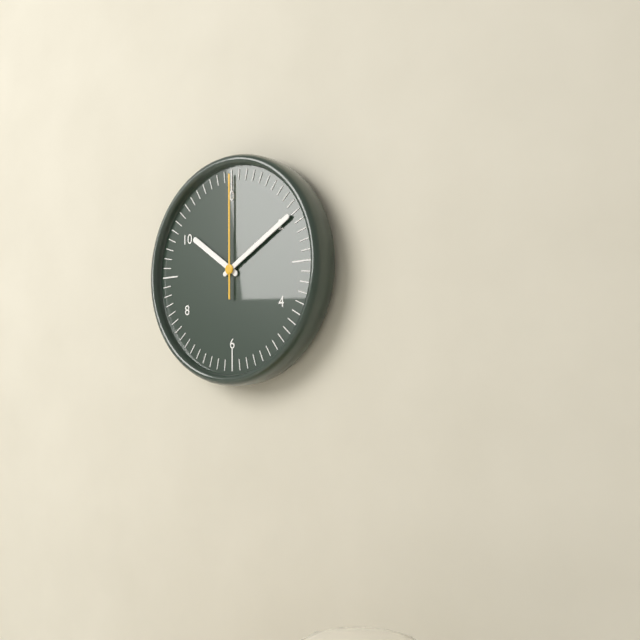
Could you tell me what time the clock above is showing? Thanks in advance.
10:10:00
